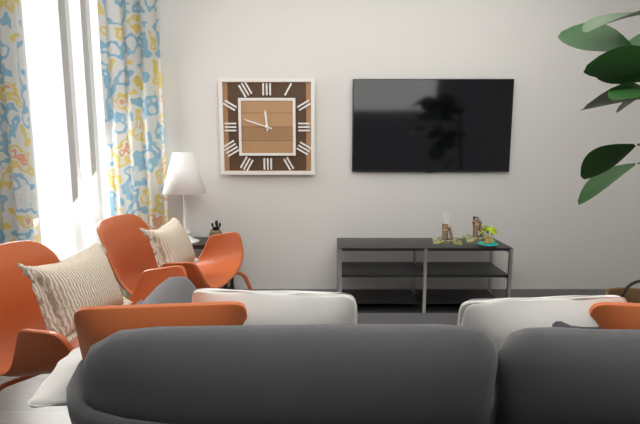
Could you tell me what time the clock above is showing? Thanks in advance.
11:48
